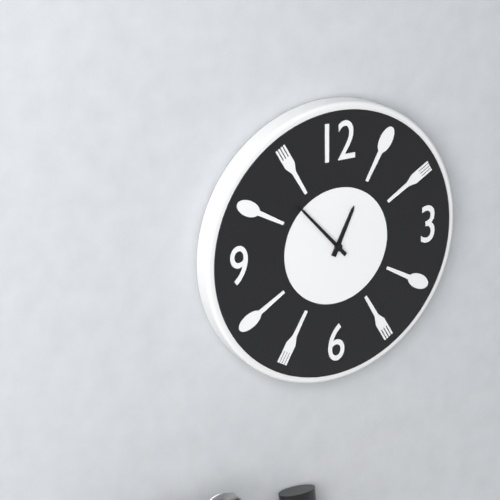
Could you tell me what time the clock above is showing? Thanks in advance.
12:53
